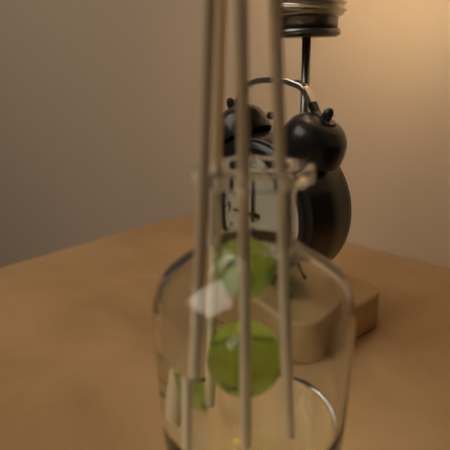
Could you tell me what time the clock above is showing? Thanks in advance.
9:00
